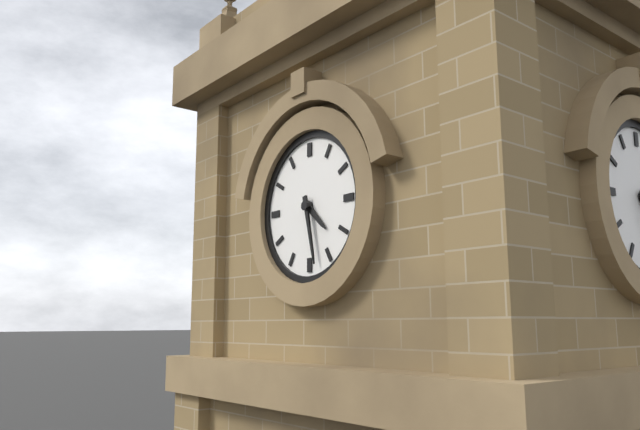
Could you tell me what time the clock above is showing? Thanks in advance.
4:28
